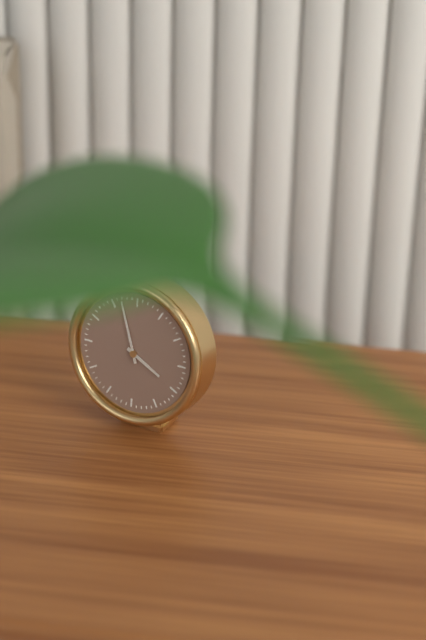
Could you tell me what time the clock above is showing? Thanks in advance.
3:57
